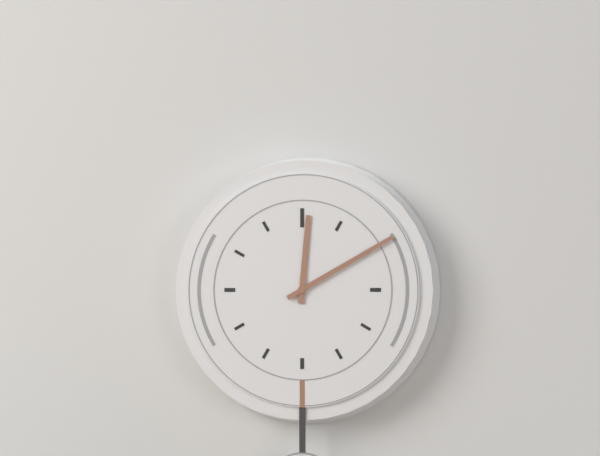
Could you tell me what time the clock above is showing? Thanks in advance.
12:10
